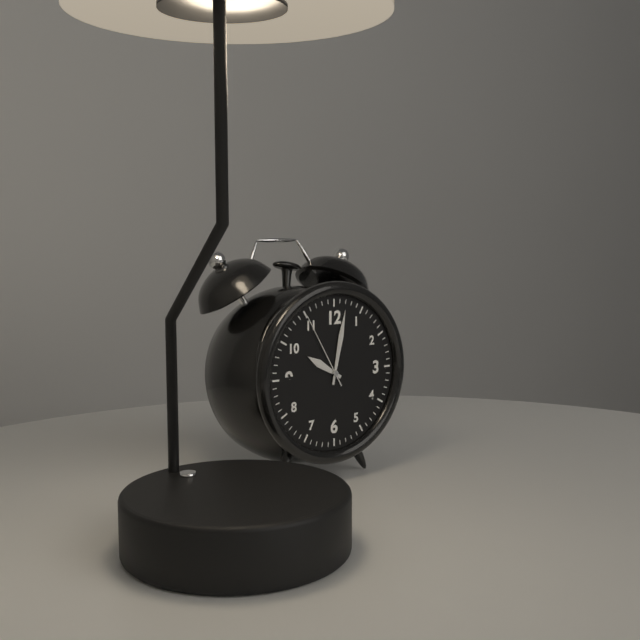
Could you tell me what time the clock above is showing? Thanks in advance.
10:02:55
